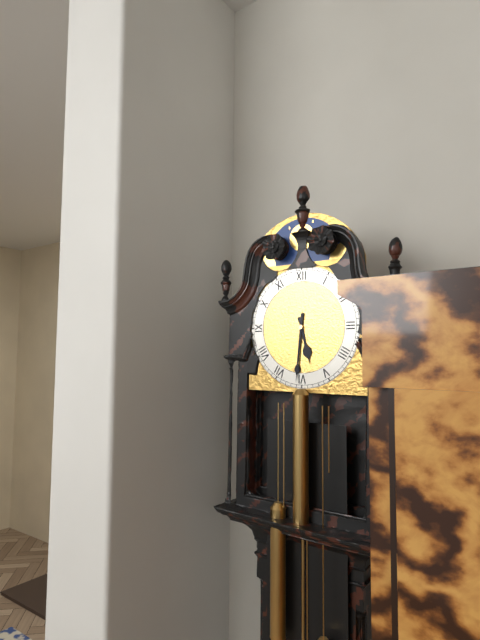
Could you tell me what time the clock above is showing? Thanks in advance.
5:31
